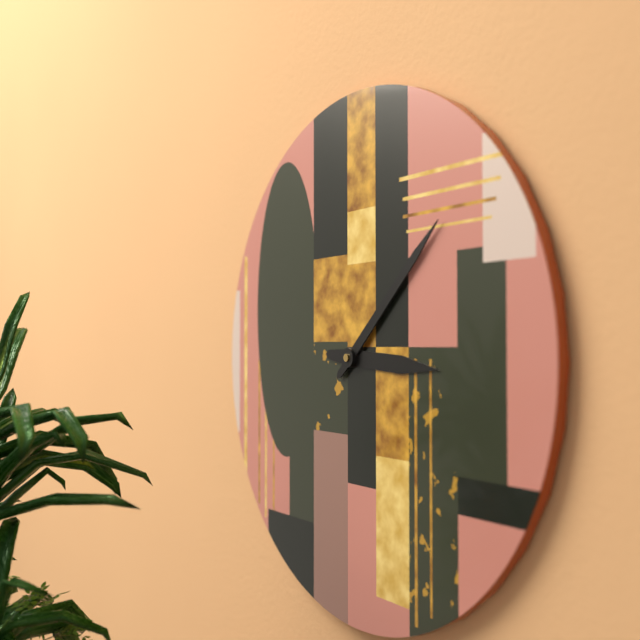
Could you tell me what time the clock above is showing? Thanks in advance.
3:08
